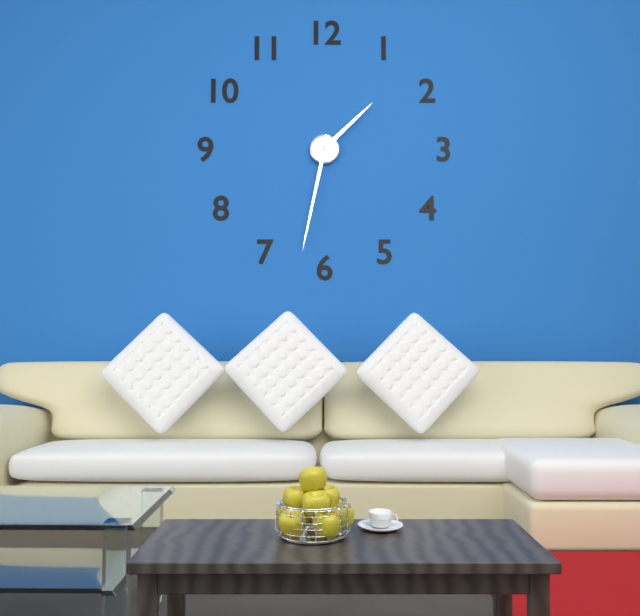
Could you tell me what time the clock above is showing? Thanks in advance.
1:32
